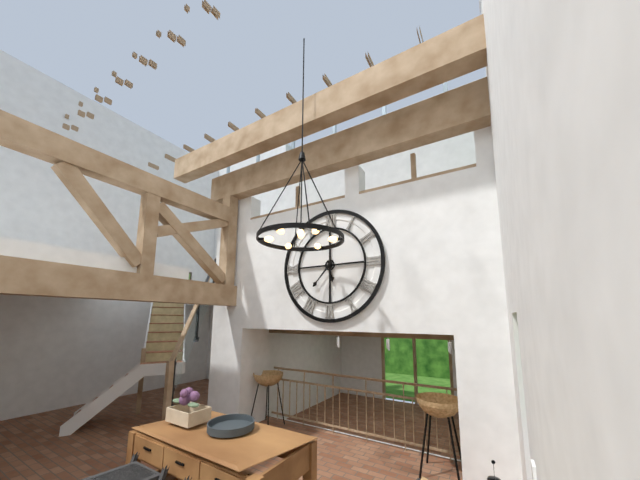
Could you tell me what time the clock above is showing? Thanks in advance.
5:37
